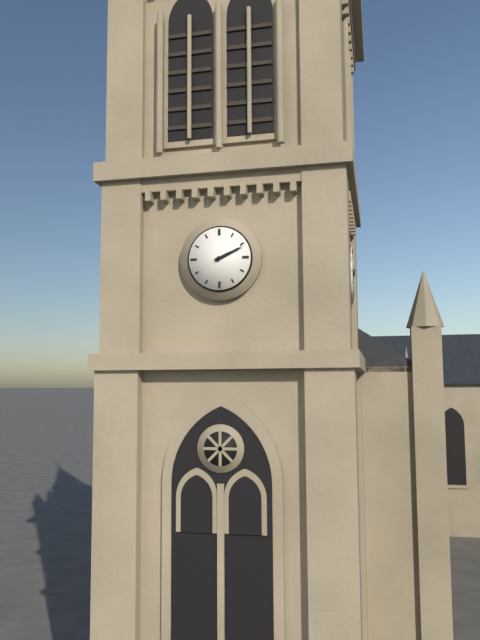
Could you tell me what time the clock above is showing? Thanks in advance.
2:11
